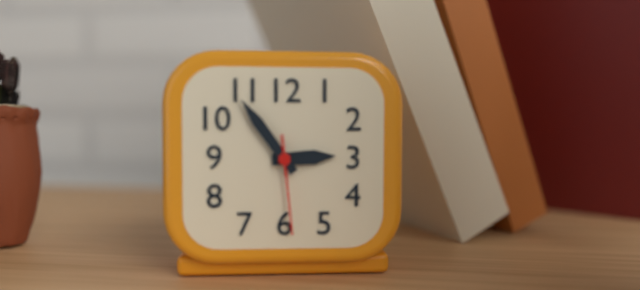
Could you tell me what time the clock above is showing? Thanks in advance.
2:54:29
